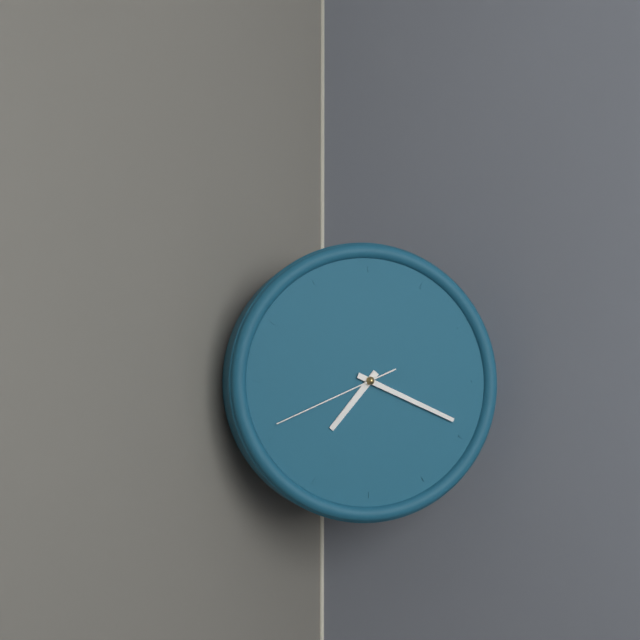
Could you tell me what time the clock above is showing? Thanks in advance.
7:19:41
